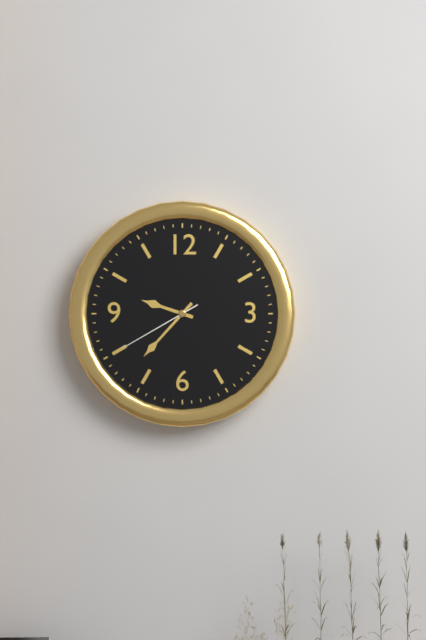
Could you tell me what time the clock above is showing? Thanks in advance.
9:37:40
